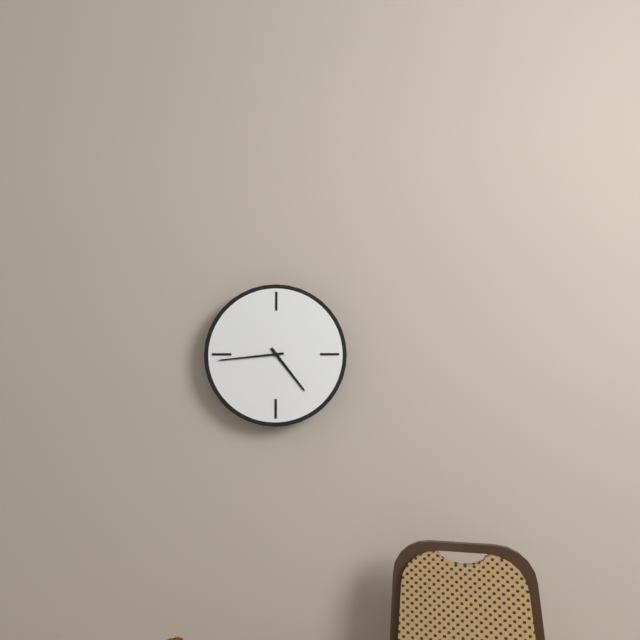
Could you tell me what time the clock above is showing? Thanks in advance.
4:44
